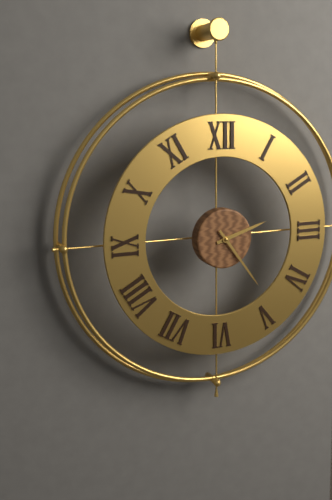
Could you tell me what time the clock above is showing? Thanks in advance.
2:24
